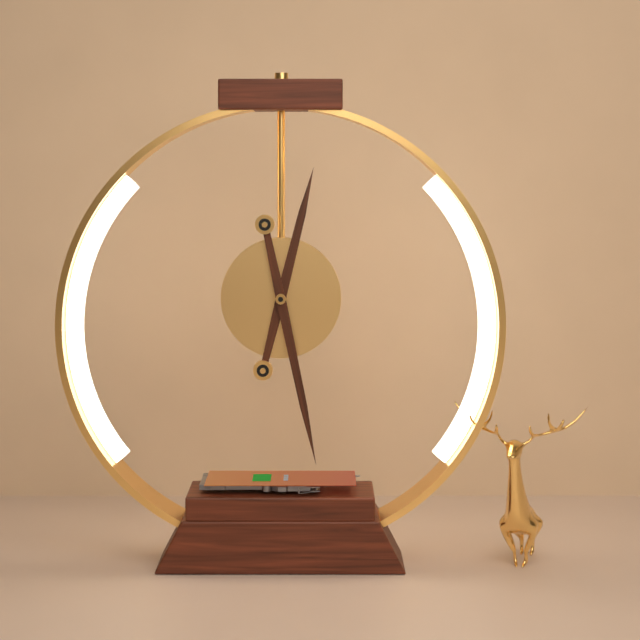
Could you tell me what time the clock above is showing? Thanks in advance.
12:28
